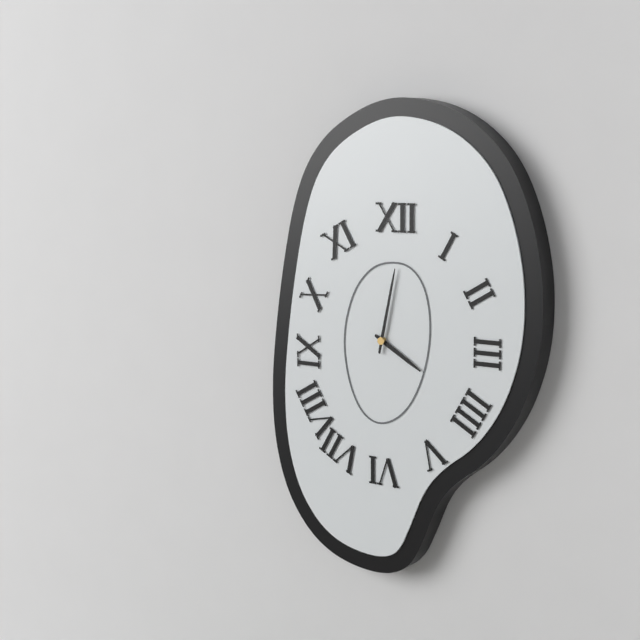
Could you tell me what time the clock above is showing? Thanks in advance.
4:02
